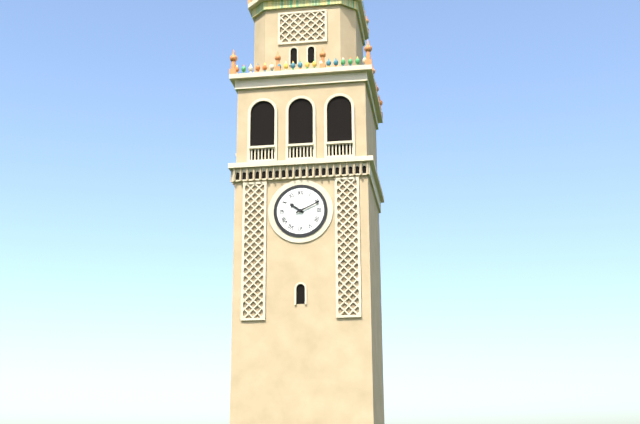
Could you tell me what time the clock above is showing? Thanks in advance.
10:11
